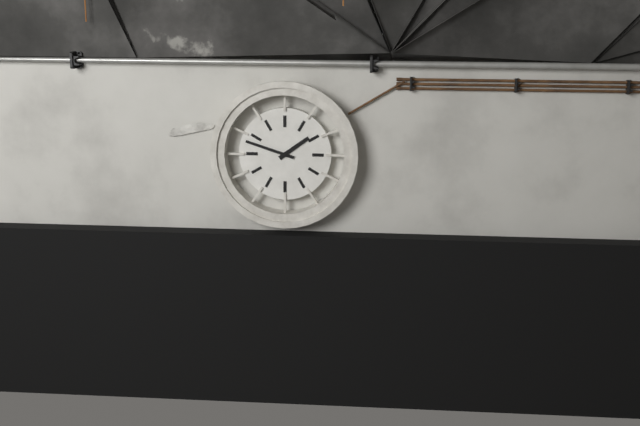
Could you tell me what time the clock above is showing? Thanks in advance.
1:48
